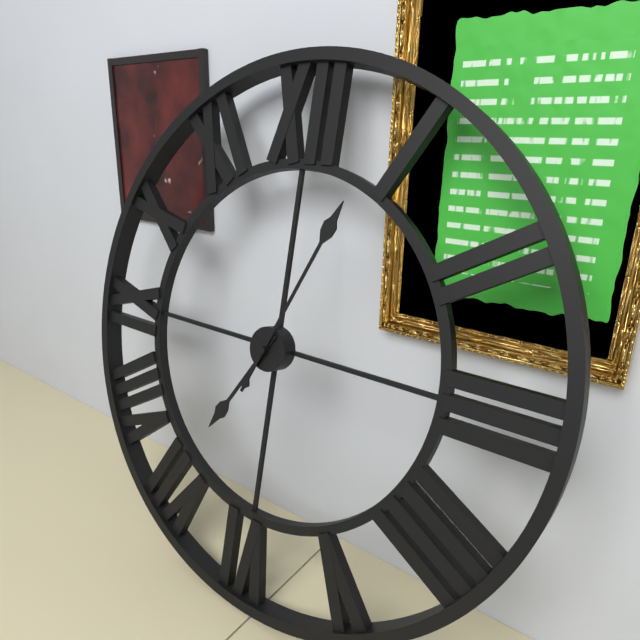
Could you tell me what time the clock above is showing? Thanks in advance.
7:04
